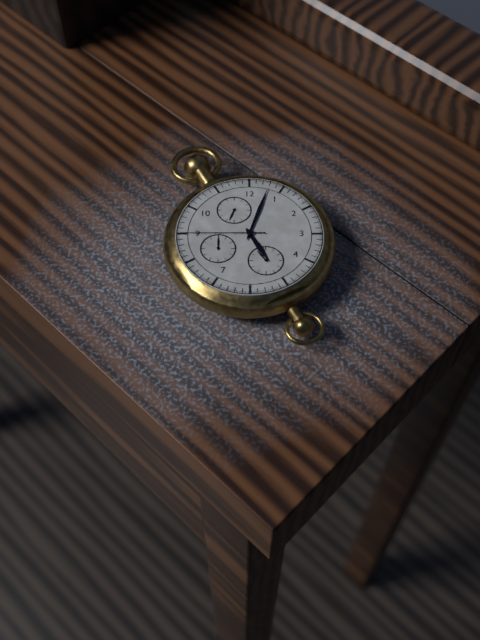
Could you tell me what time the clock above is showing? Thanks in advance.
5:03:45
